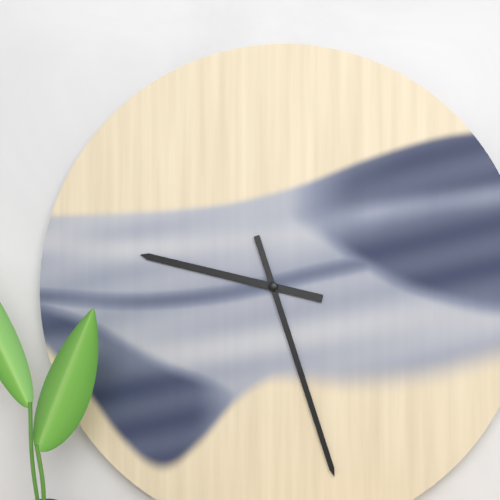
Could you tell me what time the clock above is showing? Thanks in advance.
9:27
